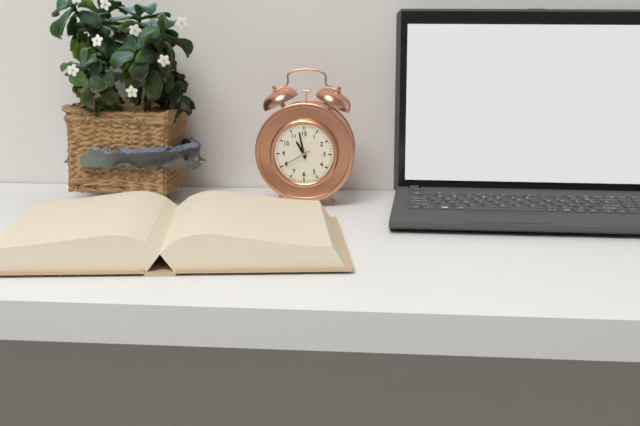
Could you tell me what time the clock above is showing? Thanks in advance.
10:58
